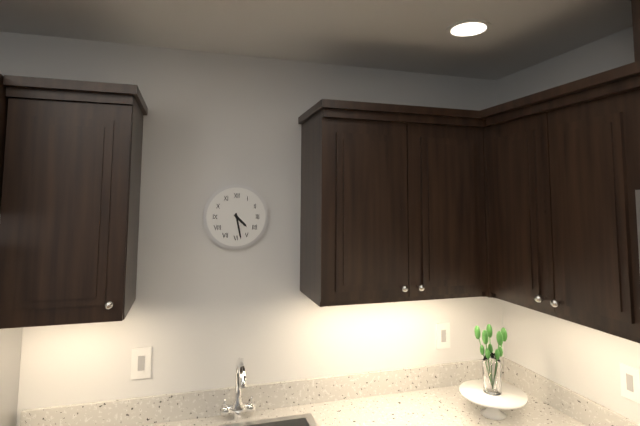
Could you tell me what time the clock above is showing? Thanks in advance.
4:28
